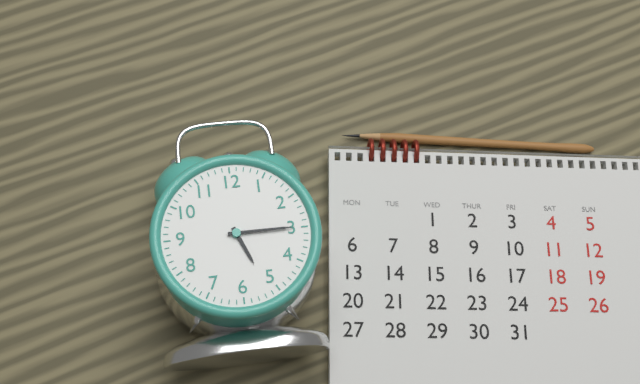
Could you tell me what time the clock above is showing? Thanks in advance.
5:15
